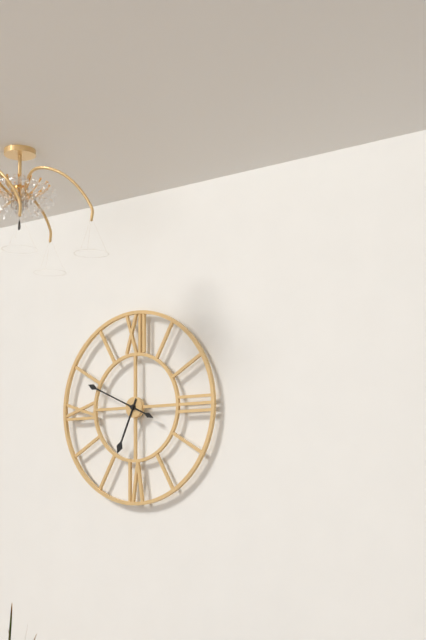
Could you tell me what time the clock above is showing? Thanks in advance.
6:49
